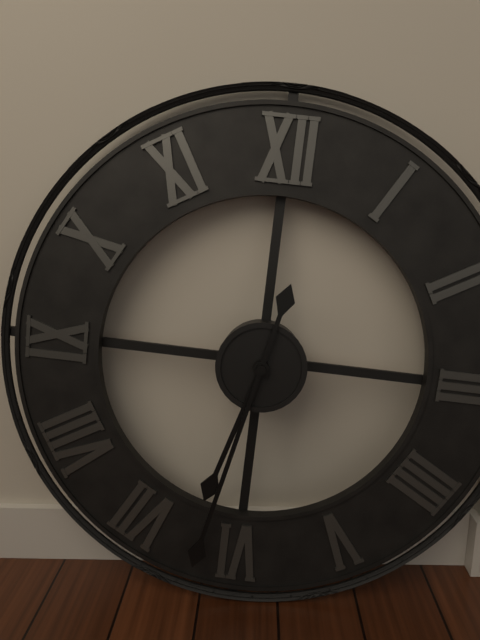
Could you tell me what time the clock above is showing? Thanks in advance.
6:32
